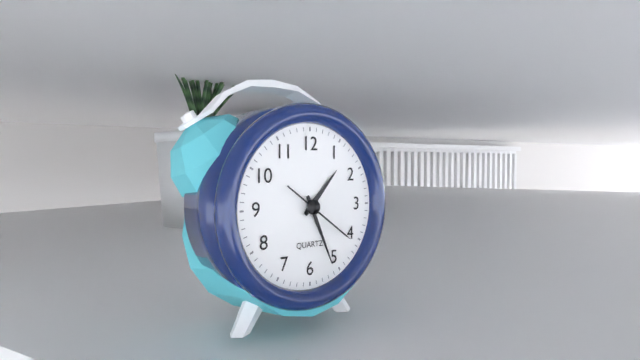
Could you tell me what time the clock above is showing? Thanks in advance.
1:26:21
